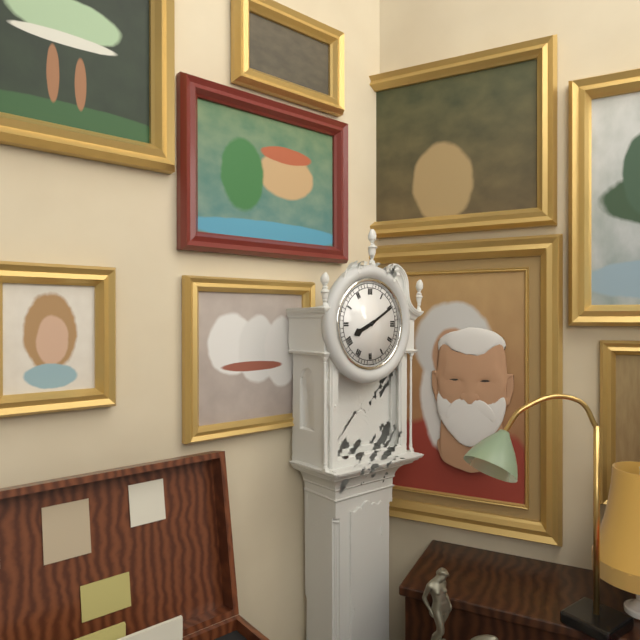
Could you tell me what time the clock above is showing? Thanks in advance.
8:10
